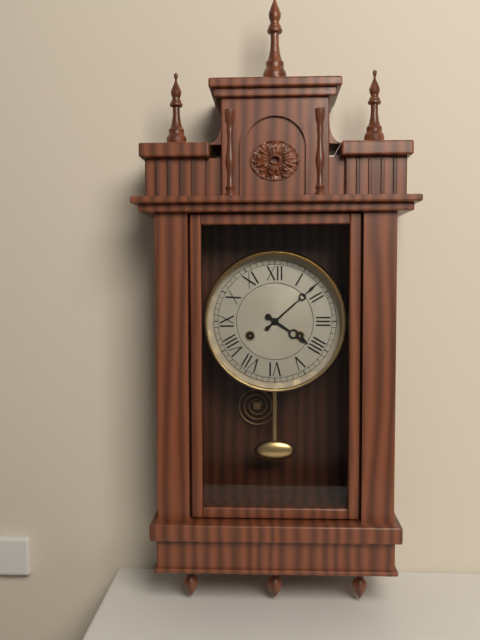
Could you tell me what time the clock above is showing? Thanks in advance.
4:08
